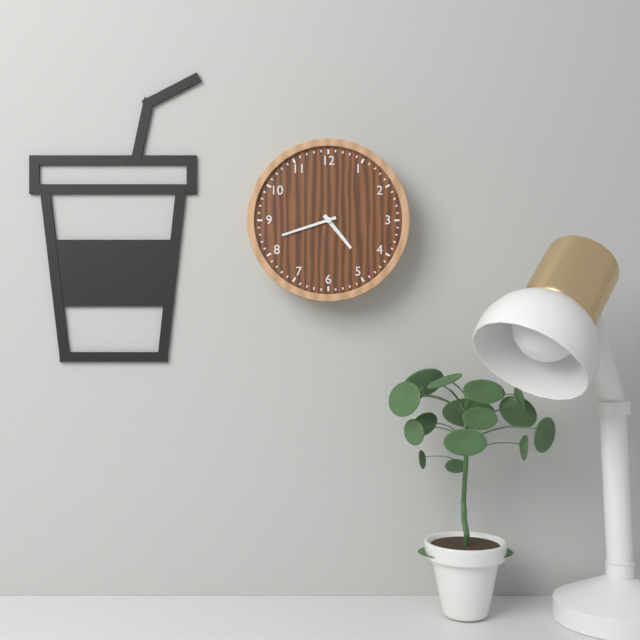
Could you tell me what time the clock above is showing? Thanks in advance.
4:42
